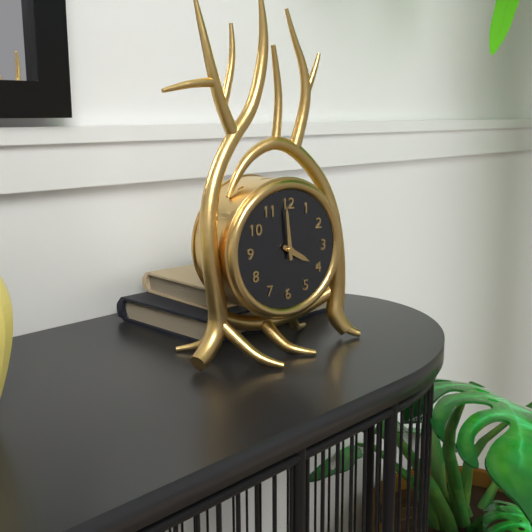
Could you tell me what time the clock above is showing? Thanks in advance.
3:59
